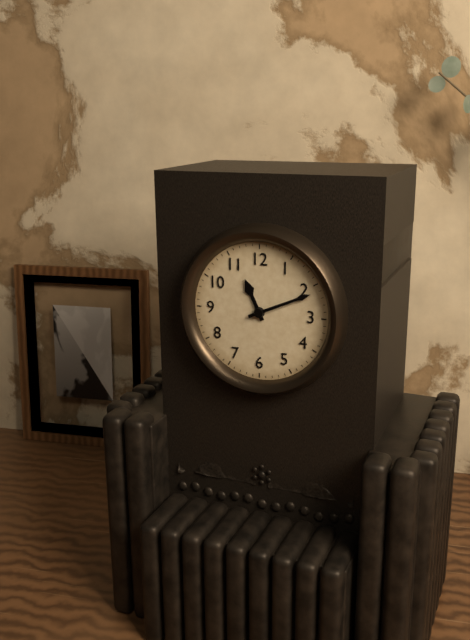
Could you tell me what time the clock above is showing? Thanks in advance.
11:11
